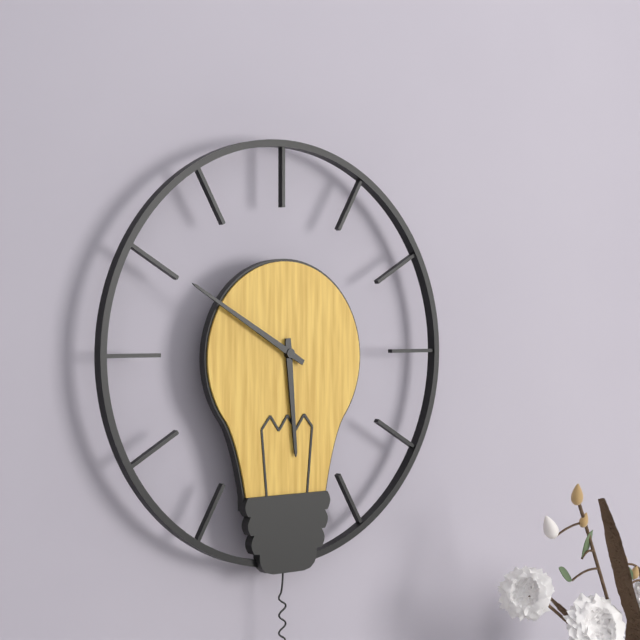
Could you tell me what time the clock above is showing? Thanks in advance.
5:50
